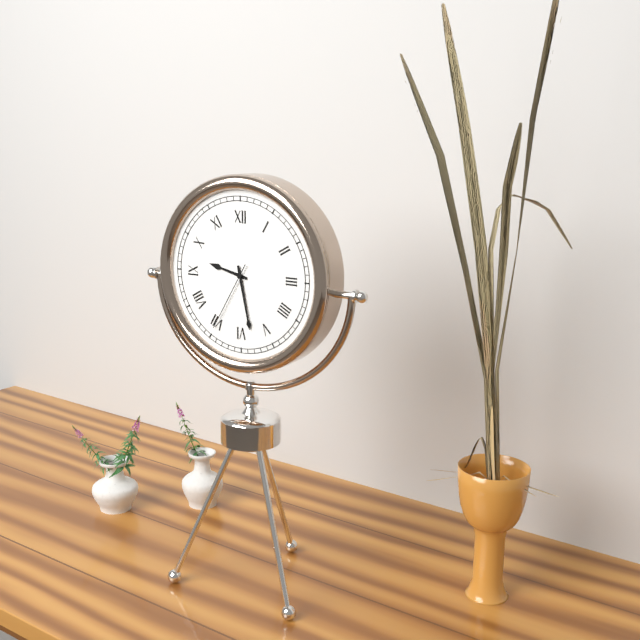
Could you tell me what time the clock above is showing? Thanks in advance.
9:28:35
